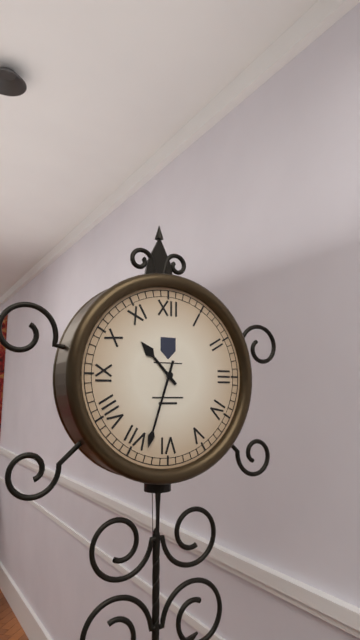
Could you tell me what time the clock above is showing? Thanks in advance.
10:33
